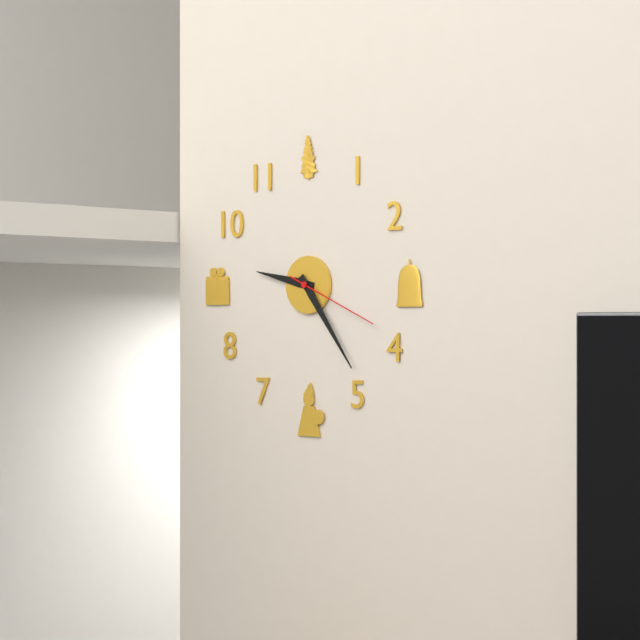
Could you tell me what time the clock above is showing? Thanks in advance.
9:24:19
